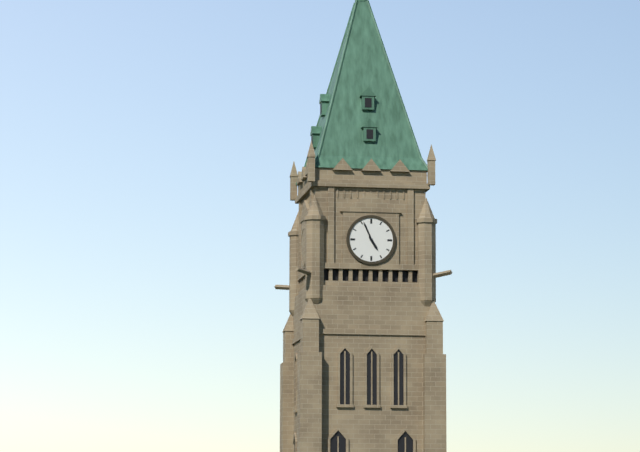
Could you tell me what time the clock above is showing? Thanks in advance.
4:56
